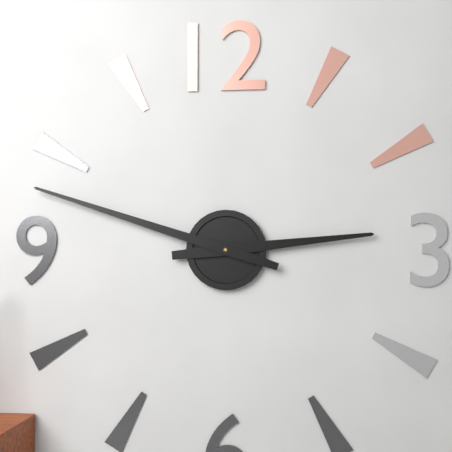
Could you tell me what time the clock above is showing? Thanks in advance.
2:48
